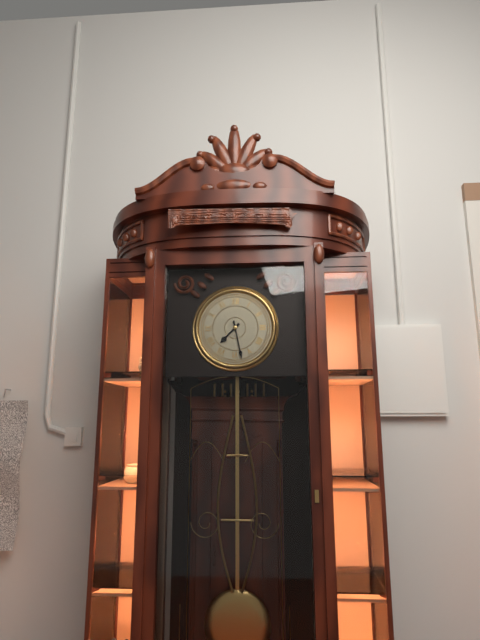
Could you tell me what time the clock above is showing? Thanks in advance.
7:28
